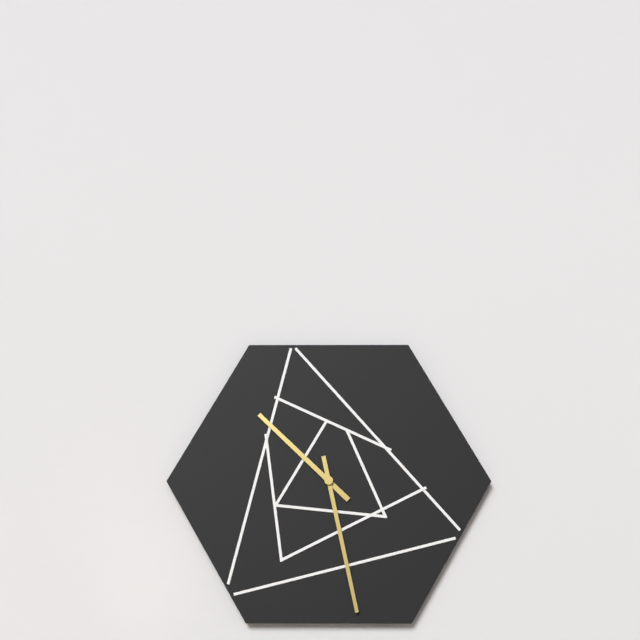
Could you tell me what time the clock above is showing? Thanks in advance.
10:28
